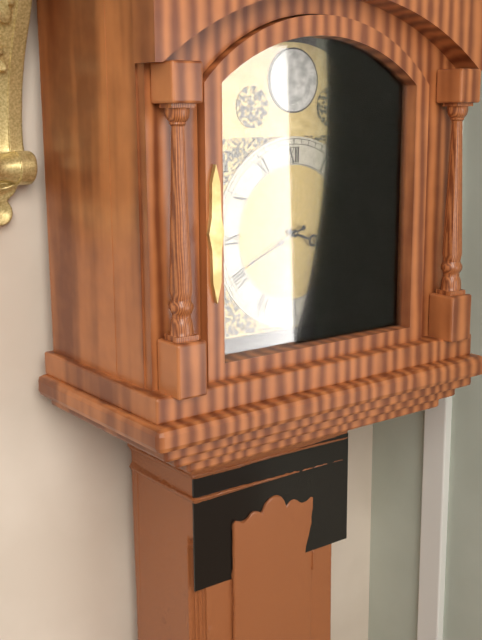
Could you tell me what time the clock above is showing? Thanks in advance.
3:41
